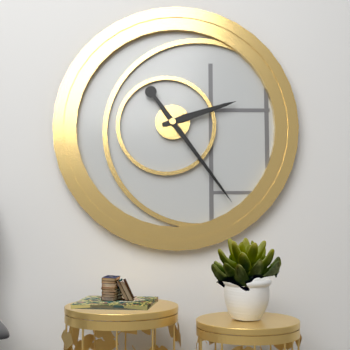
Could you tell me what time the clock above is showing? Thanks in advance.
2:24
